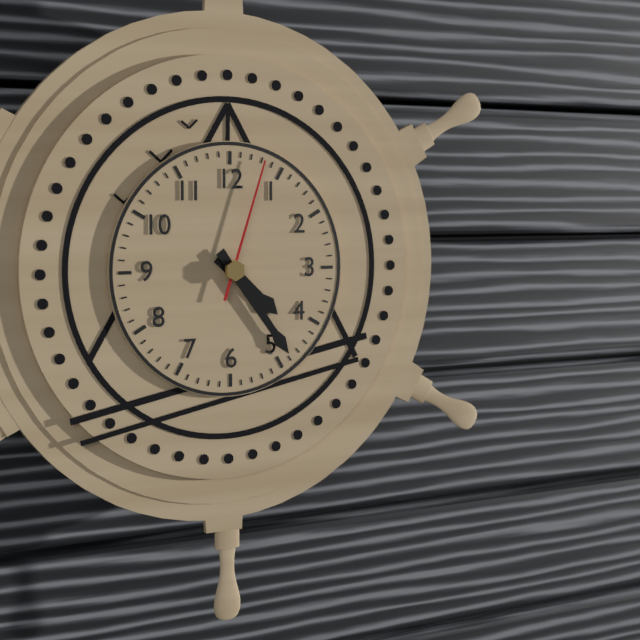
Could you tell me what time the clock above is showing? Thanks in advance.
4:24:03
